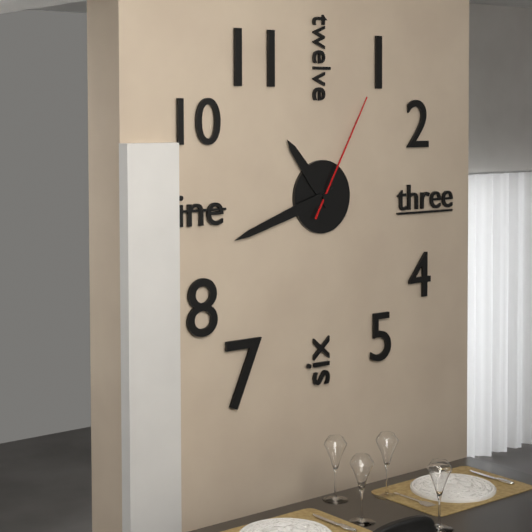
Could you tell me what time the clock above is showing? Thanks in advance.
10:42:05
